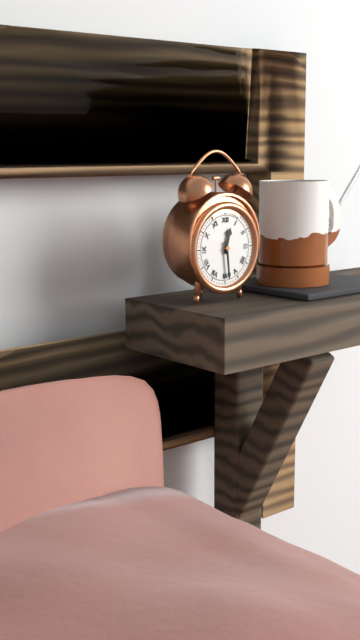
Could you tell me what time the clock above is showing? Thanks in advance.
12:29
